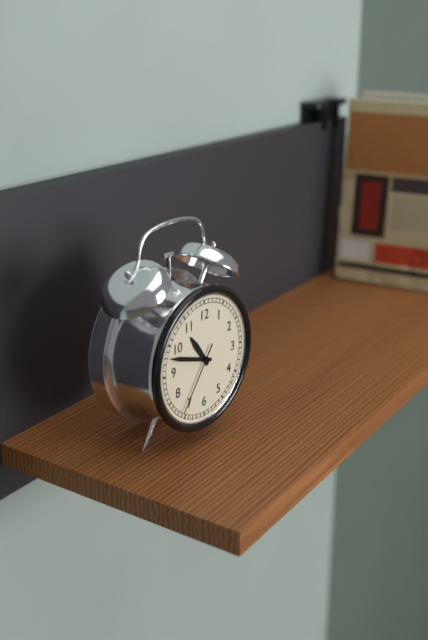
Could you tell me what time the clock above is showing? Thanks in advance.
10:48:36
